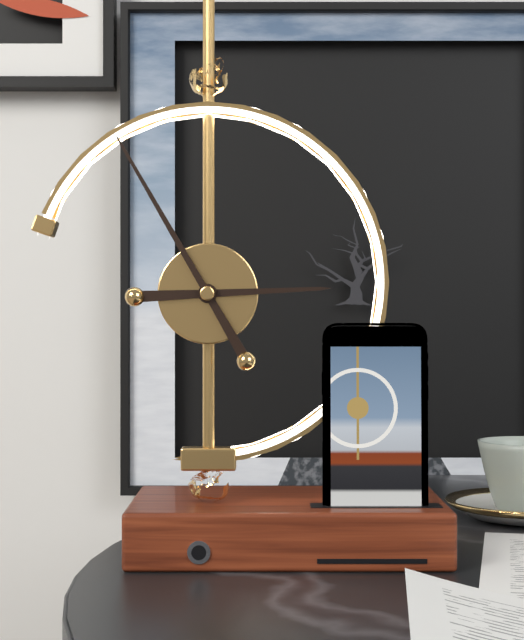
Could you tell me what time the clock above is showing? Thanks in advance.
2:55
